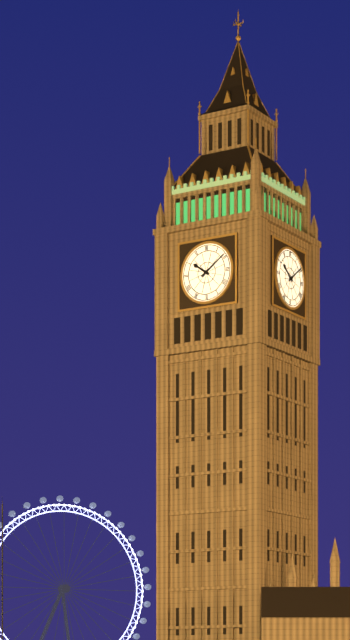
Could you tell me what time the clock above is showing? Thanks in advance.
10:09
